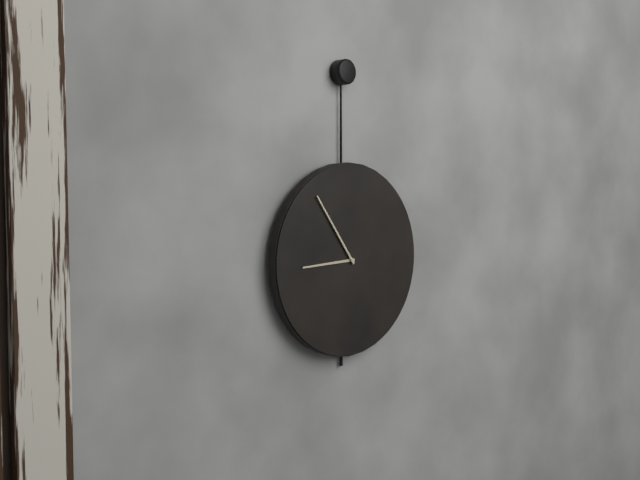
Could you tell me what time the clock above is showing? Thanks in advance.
8:54
